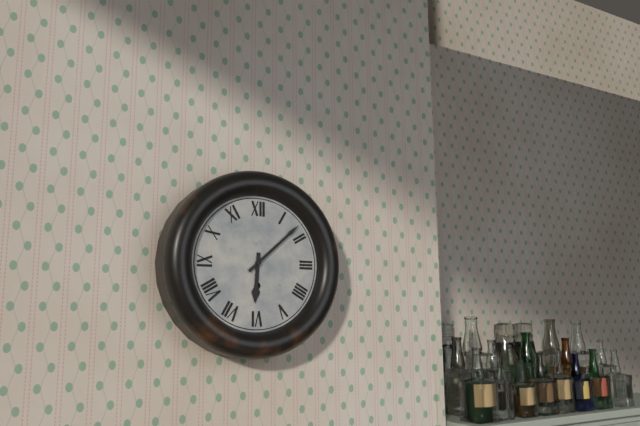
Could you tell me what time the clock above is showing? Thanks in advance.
6:08
